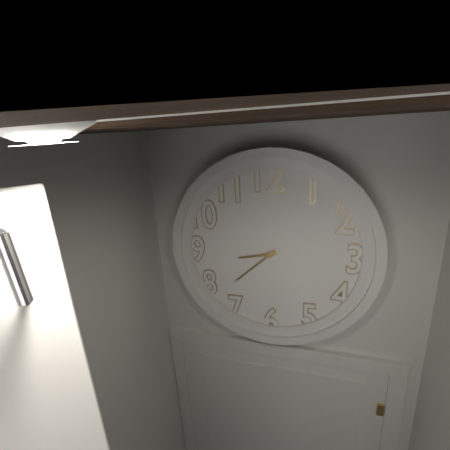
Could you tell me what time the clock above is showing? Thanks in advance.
8:38
